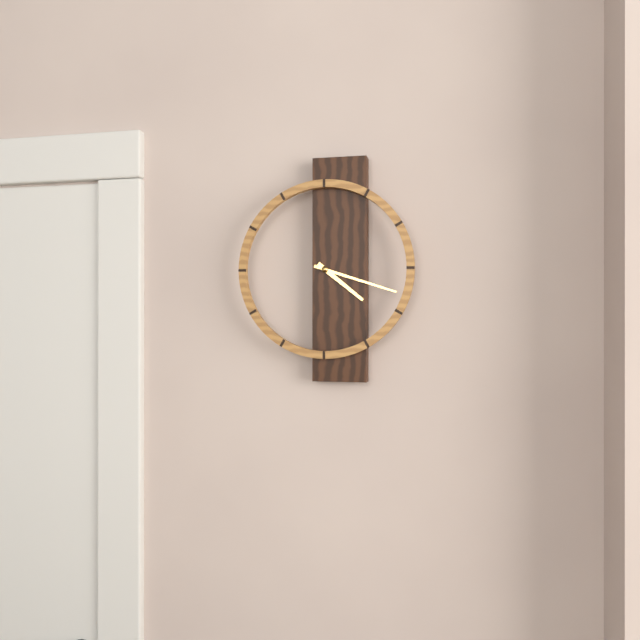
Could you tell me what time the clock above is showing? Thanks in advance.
4:18
